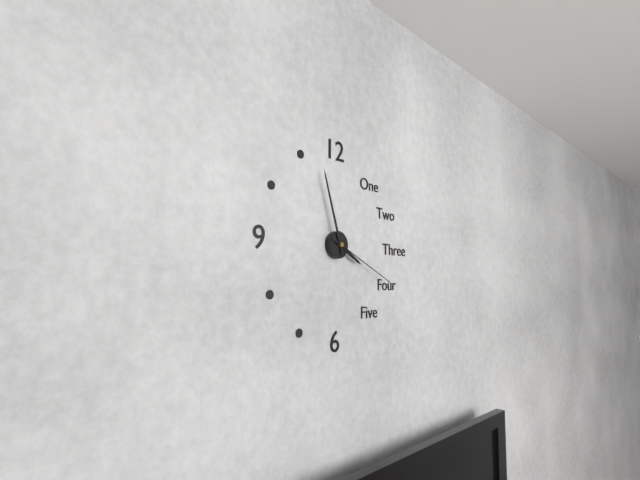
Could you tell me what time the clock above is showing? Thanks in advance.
3:57:19
